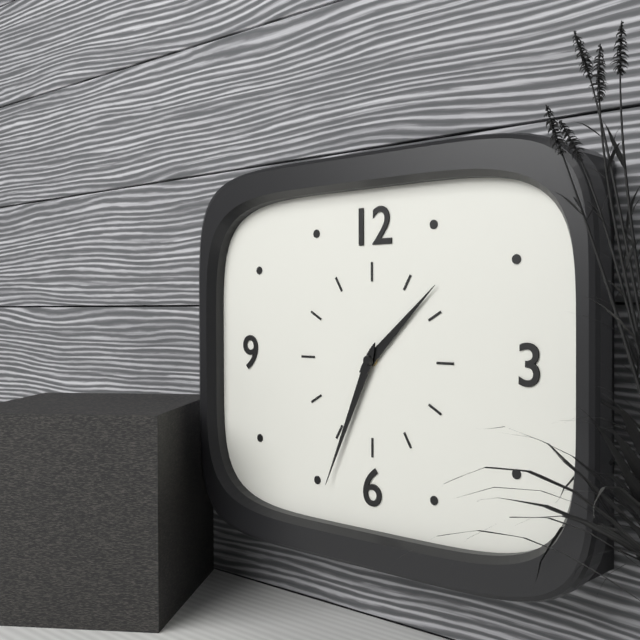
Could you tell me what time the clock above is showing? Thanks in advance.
1:34
